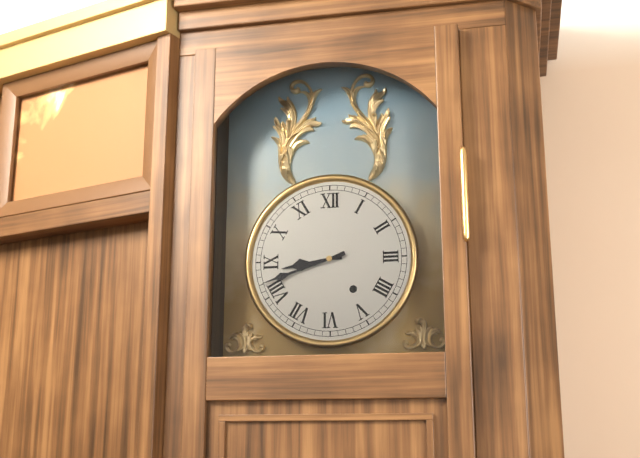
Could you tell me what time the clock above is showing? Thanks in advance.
8:42
